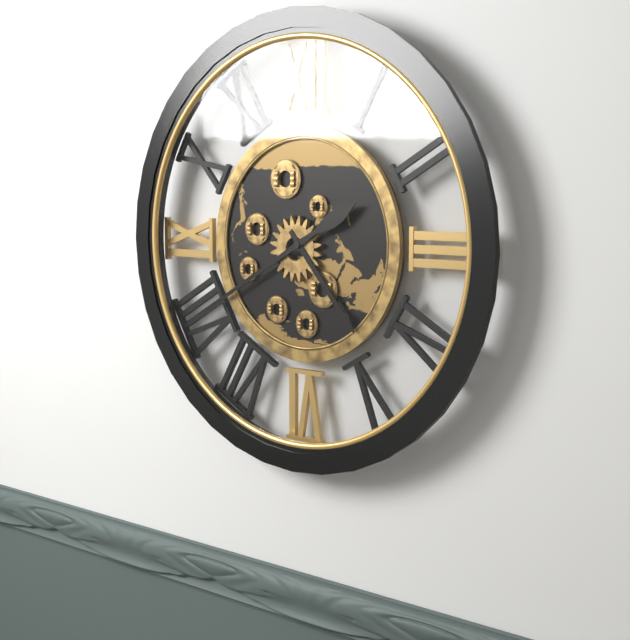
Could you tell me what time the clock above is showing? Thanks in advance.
4:40
